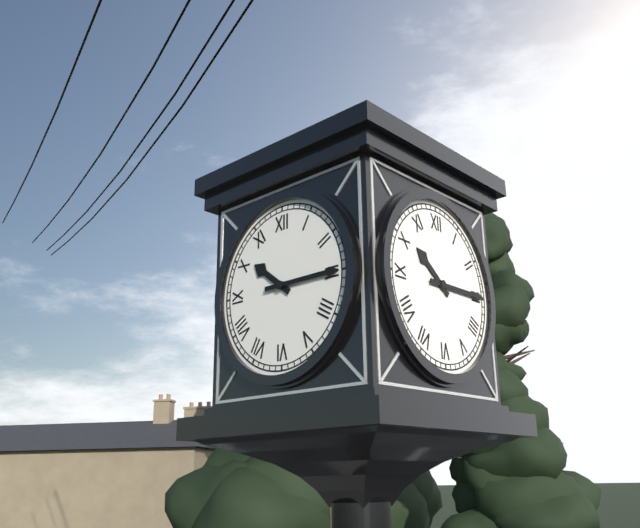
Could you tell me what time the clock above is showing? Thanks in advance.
10:15
